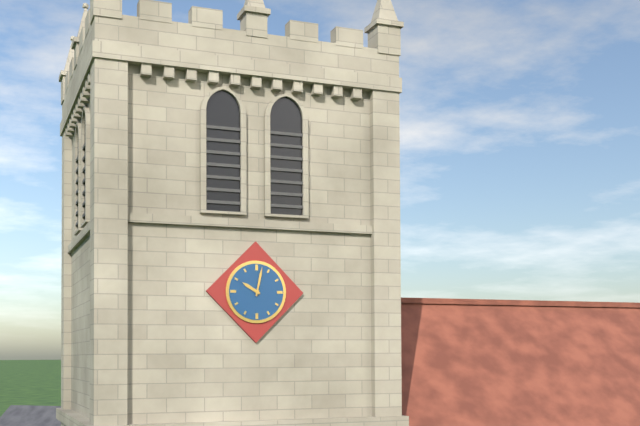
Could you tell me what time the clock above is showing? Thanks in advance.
10:02
